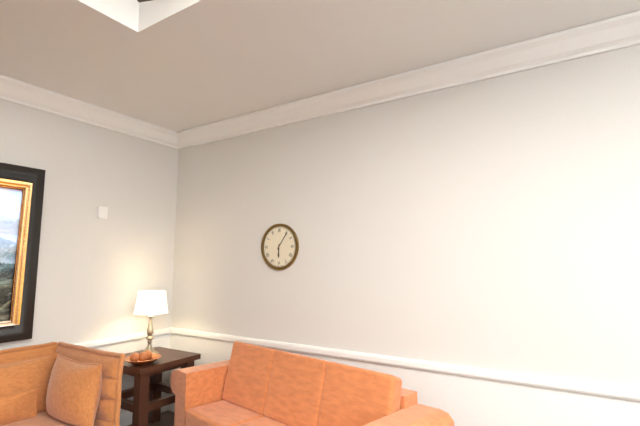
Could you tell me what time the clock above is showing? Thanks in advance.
6:06
